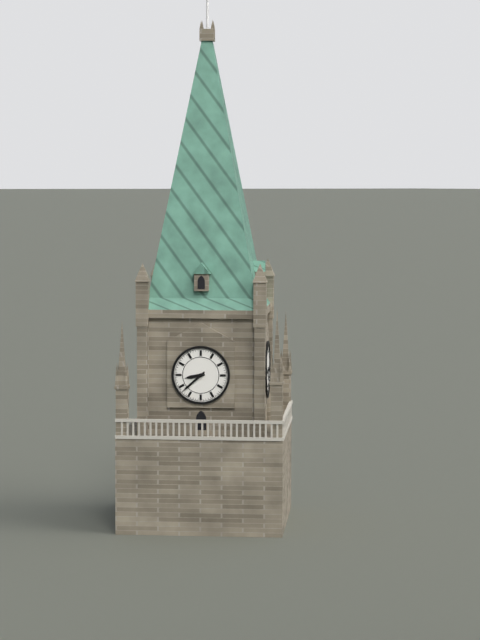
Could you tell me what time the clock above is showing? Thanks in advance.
8:38
